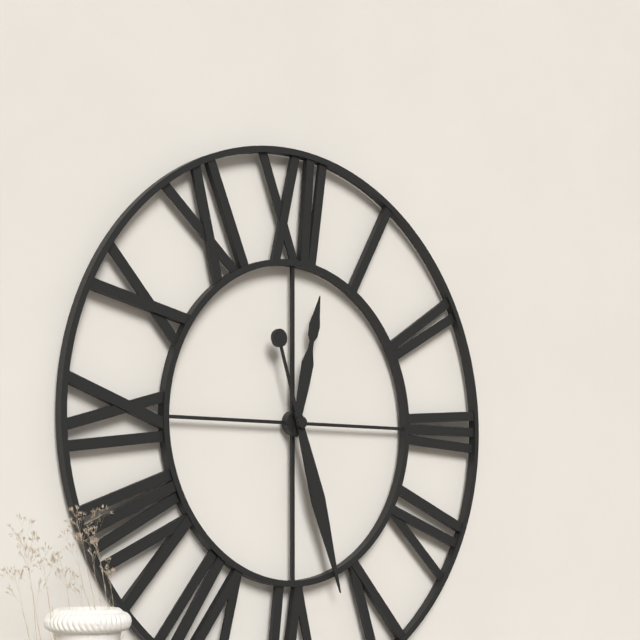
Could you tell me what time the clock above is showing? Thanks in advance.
12:27
